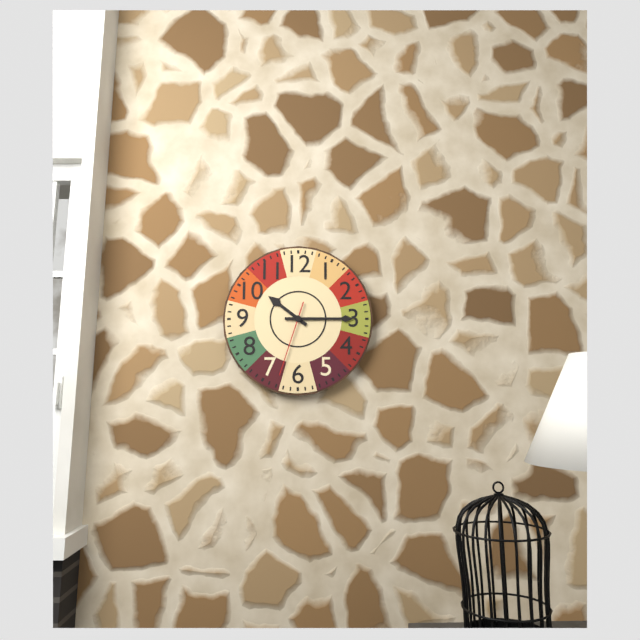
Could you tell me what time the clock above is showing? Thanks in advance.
10:15:33
